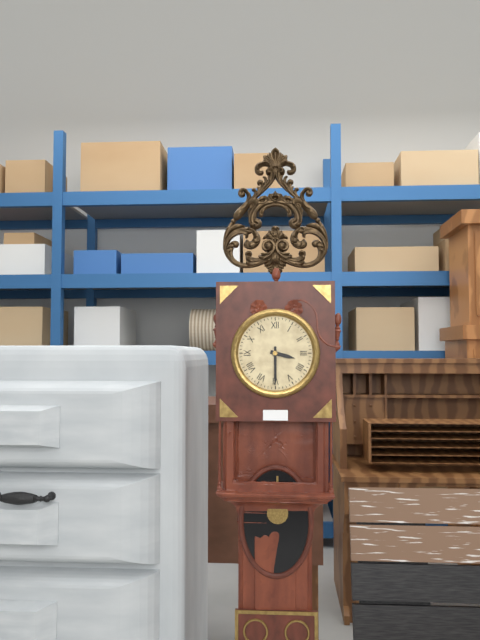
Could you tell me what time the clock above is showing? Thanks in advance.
3:30
